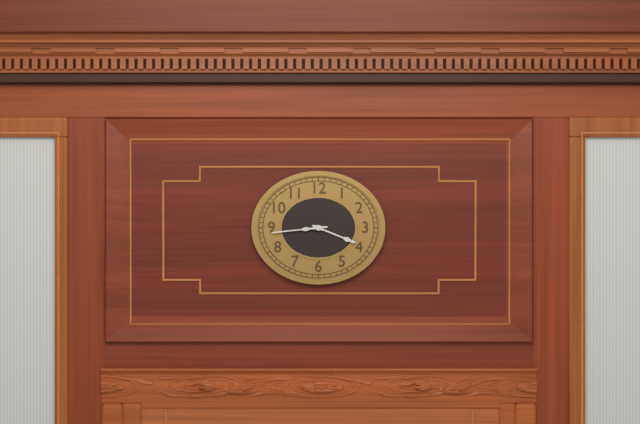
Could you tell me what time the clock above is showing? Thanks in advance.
3:44
